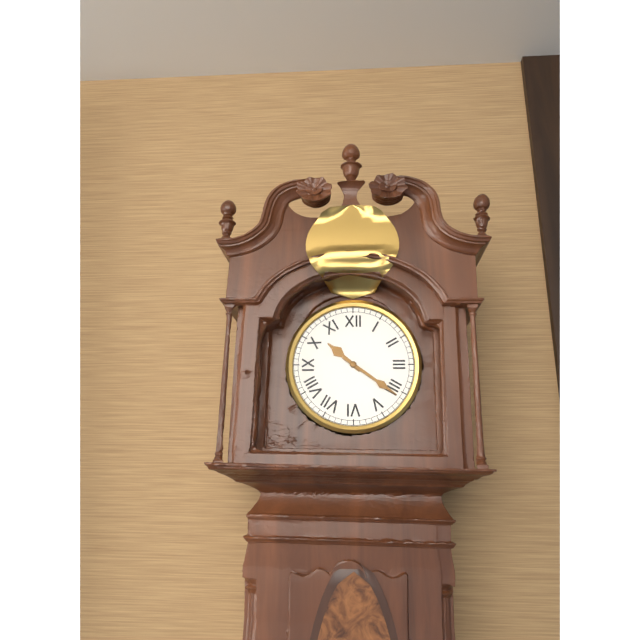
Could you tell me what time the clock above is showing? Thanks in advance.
10:21
